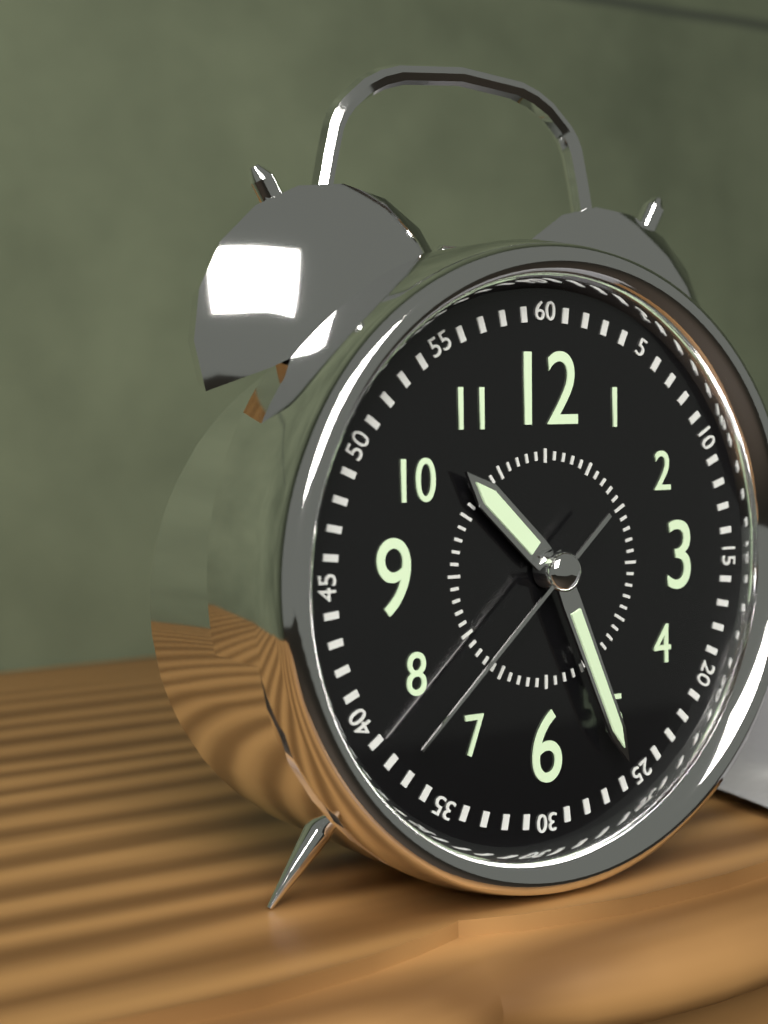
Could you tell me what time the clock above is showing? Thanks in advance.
10:26:38
